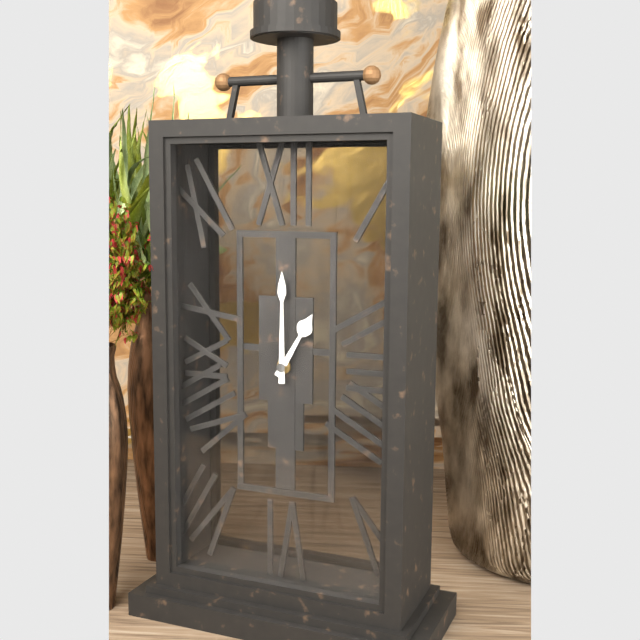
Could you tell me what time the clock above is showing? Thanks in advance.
1:00
